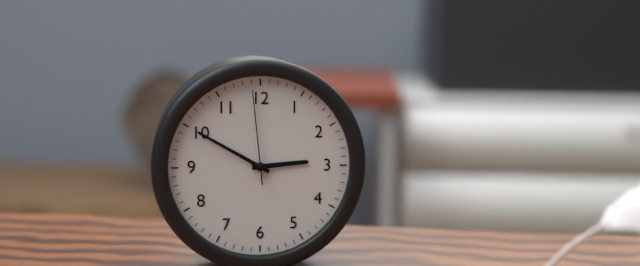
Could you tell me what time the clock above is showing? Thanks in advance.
2:50:59
